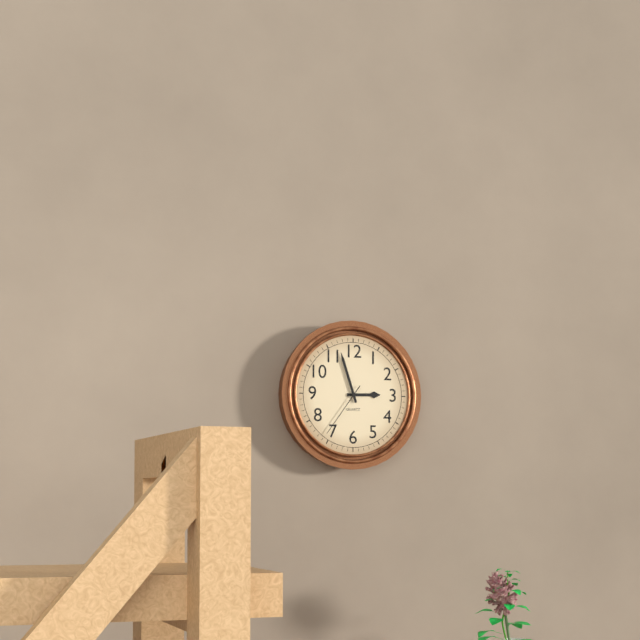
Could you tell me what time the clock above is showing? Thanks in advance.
2:57:36
